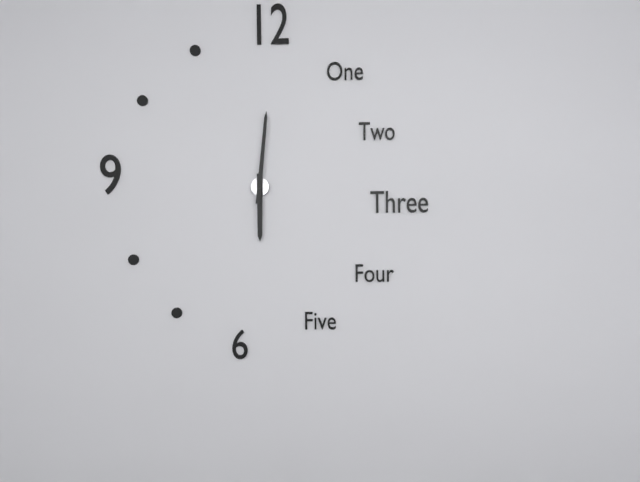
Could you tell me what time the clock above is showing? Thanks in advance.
6:01
